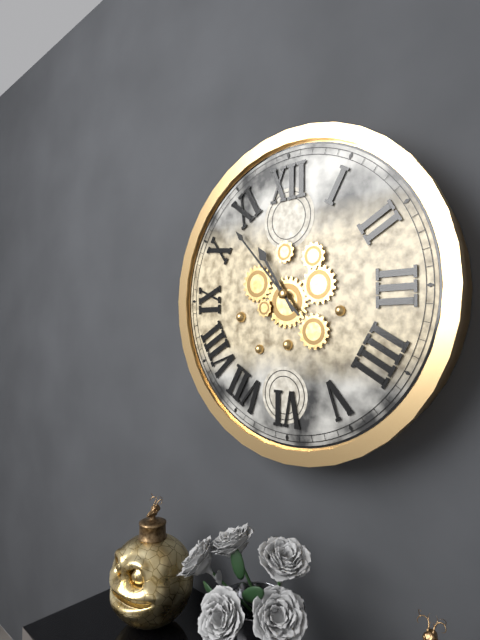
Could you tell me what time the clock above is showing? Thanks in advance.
10:53
